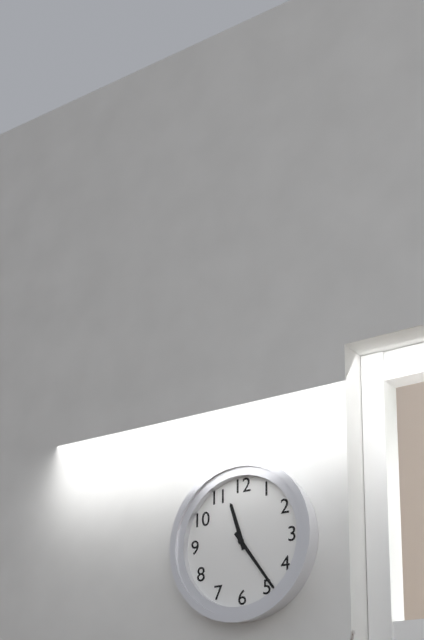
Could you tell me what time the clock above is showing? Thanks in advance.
11:24
